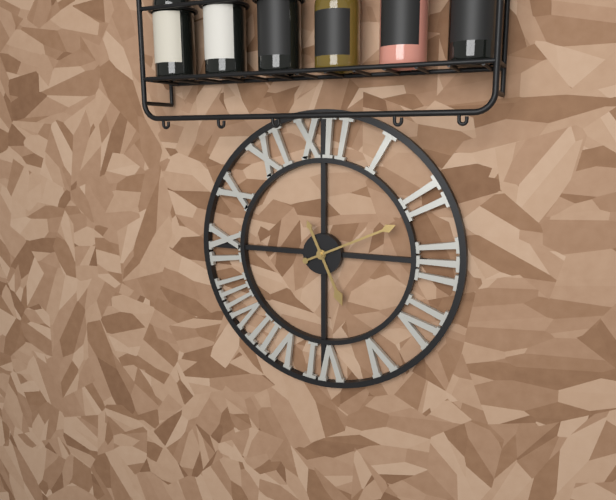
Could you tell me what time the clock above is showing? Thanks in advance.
5:11
